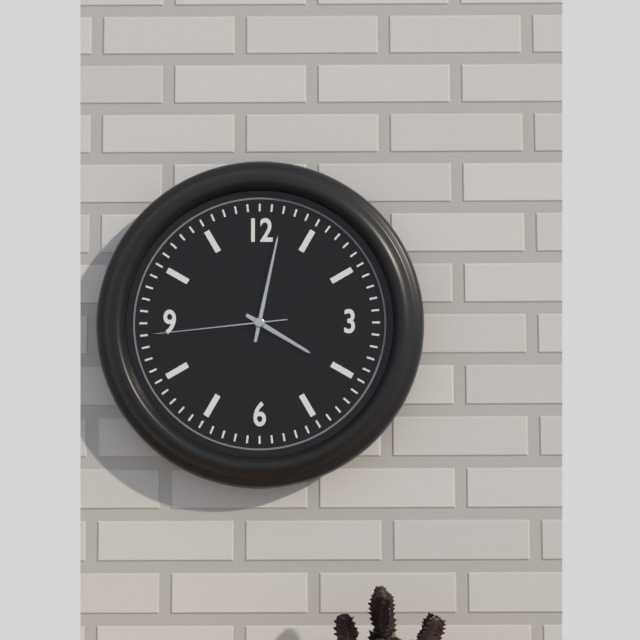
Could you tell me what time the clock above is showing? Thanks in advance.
4:02:44
